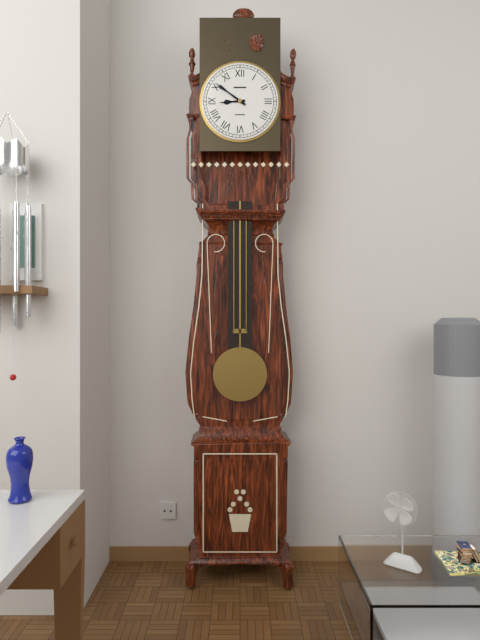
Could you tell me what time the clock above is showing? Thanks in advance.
8:51
